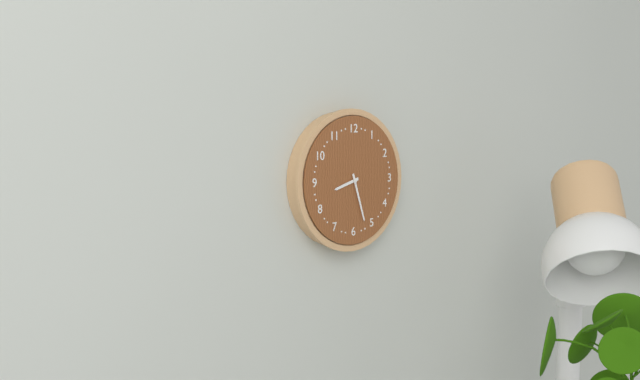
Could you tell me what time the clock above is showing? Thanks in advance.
8:27
